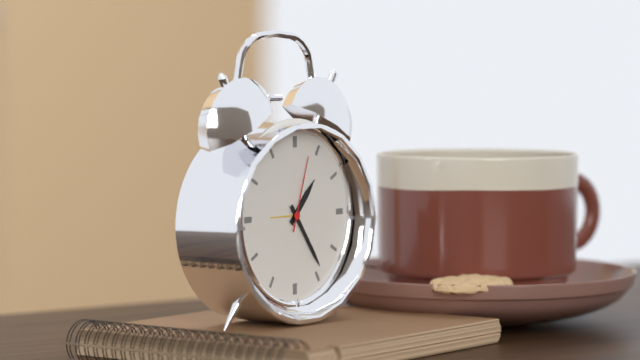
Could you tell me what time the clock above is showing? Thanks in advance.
1:24:03
